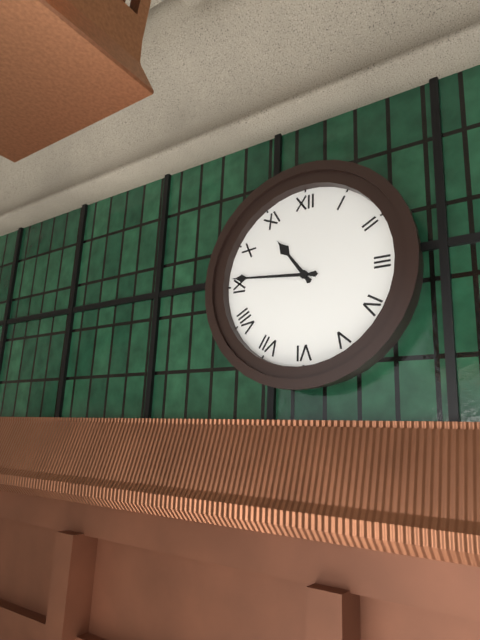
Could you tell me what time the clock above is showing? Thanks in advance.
10:46
